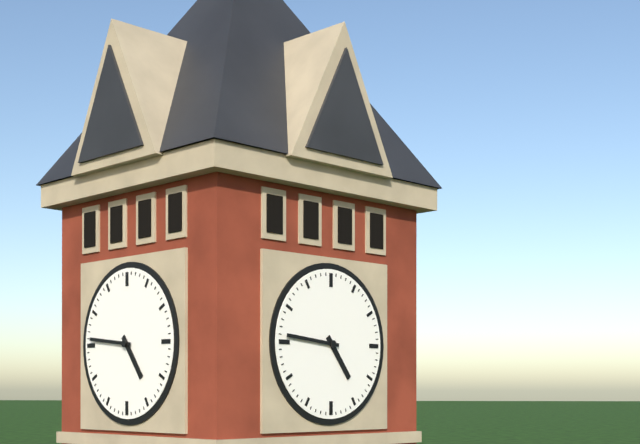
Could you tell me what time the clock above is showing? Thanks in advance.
4:46
